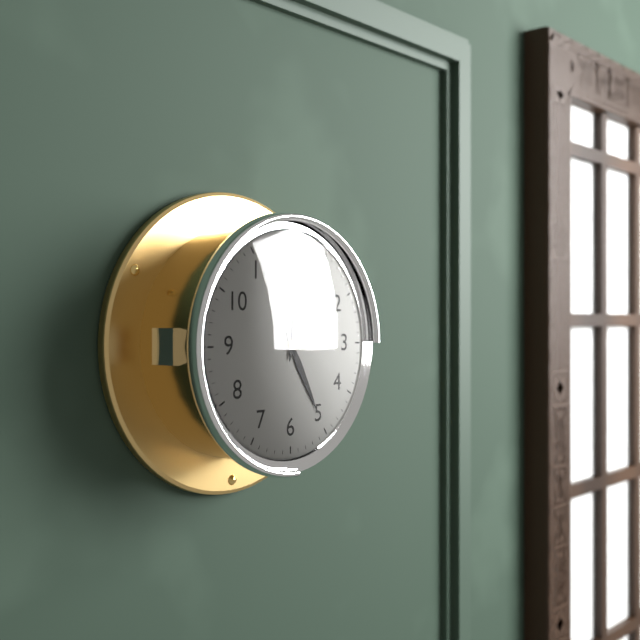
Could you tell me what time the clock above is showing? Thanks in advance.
5:02
